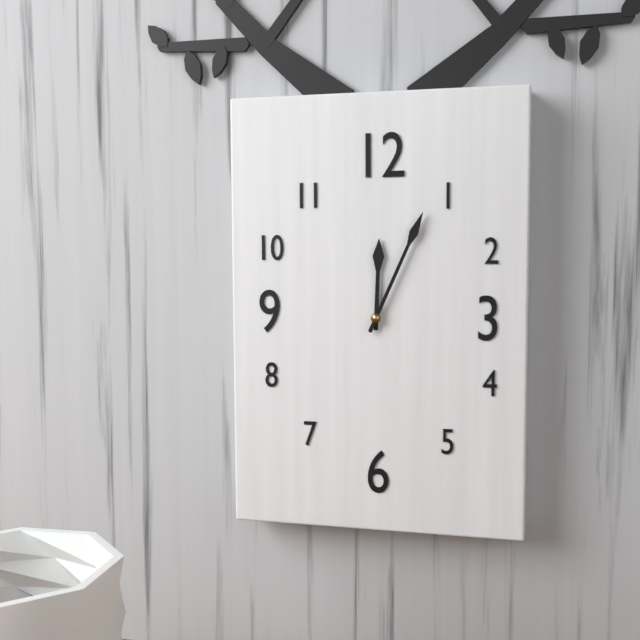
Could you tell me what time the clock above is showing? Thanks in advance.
12:04
